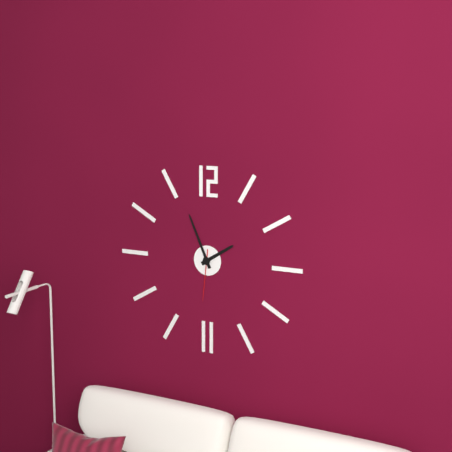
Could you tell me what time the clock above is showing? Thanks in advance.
1:56:31
